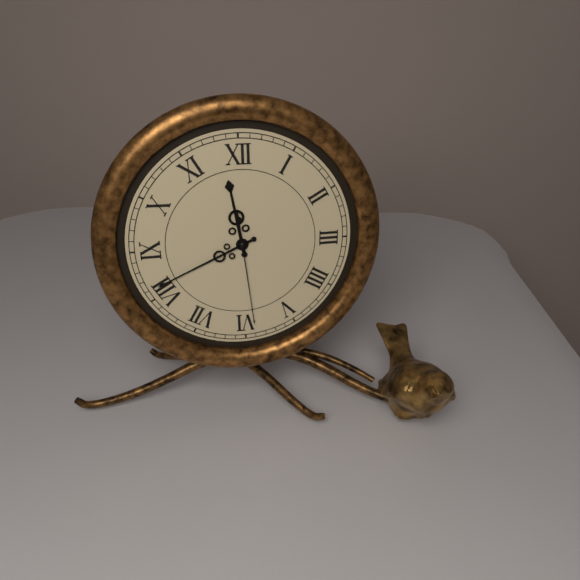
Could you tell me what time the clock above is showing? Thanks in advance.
11:41:29
